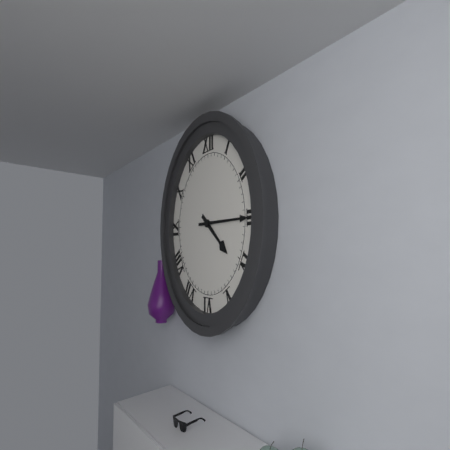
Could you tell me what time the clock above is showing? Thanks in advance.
4:15
